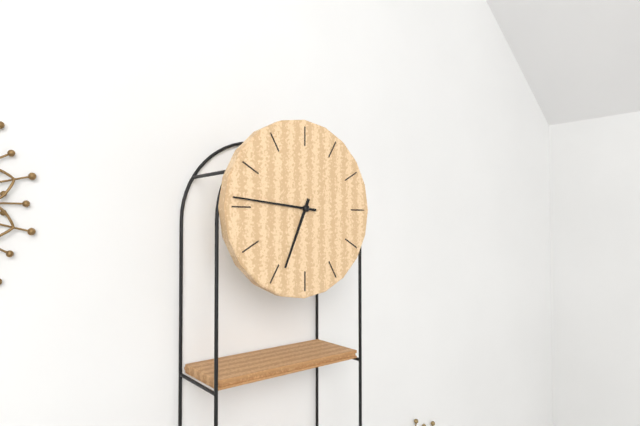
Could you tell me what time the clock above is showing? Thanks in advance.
6:46
